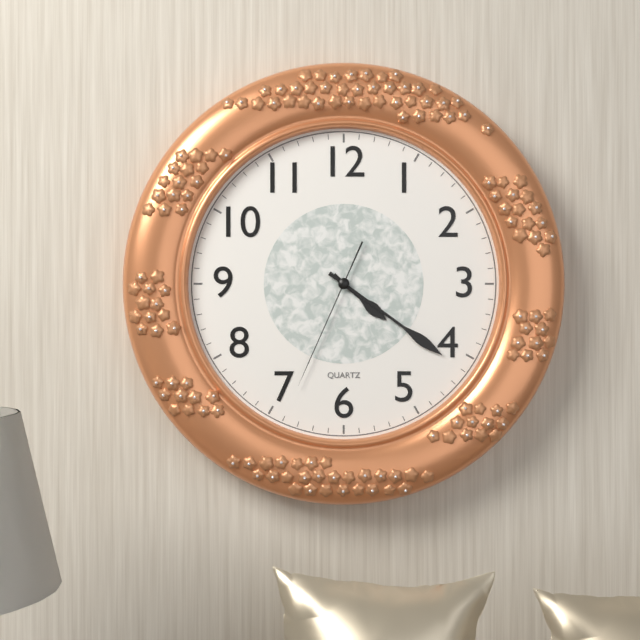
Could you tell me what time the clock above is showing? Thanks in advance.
4:21:34
